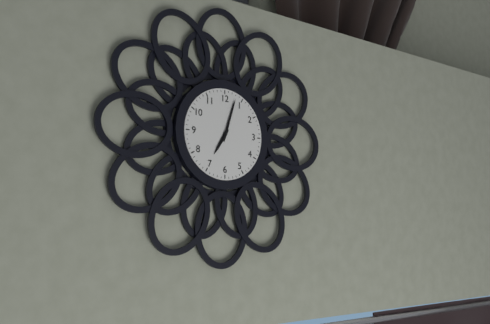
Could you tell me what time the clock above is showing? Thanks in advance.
7:03
